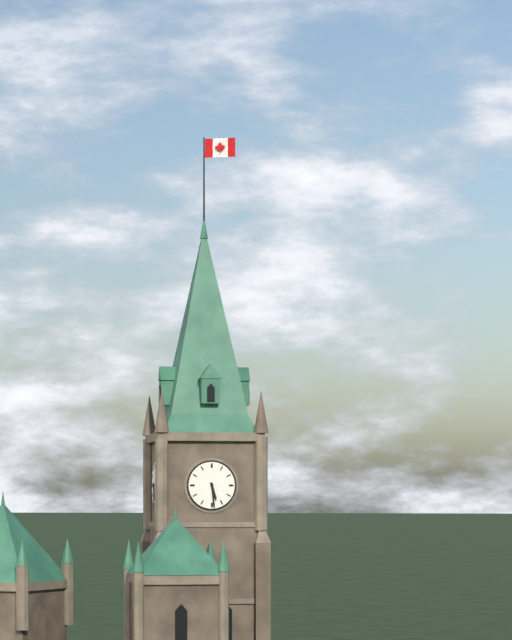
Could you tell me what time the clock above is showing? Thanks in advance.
5:29
